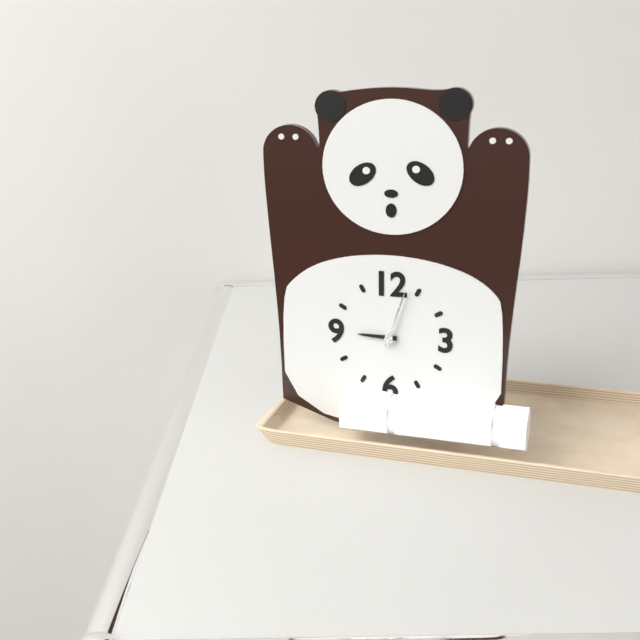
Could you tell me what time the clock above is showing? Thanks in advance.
9:03
